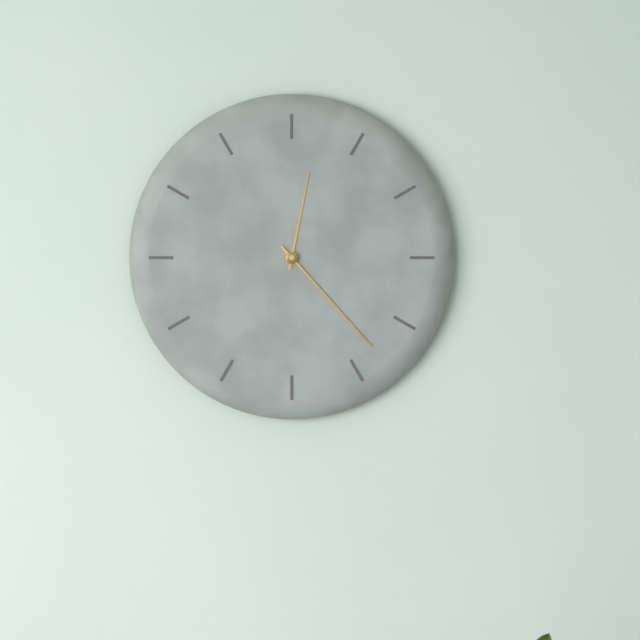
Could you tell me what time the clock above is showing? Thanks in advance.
12:23
